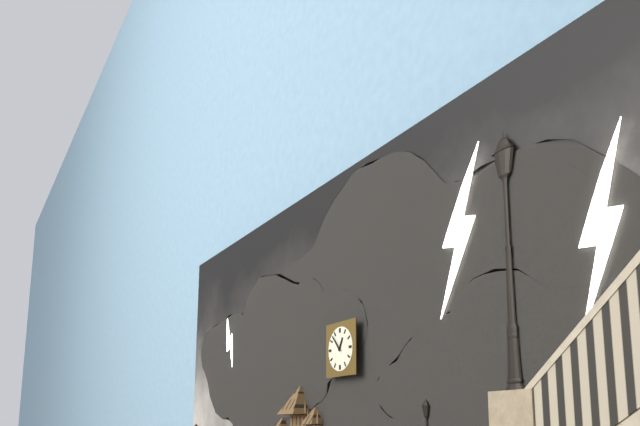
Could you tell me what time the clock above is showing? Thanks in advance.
12:53
